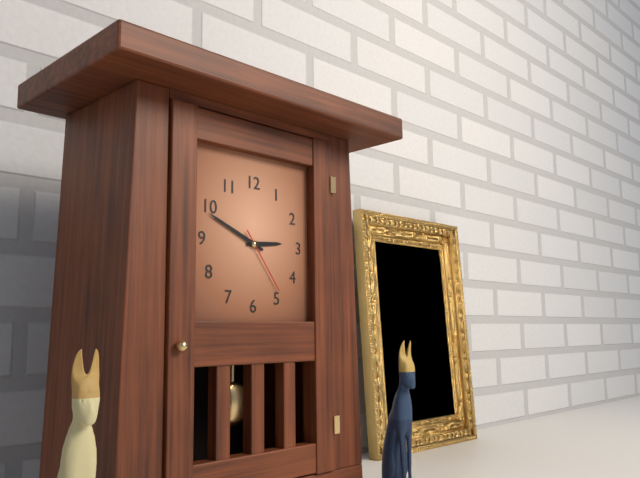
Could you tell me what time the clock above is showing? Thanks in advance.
2:49:24
